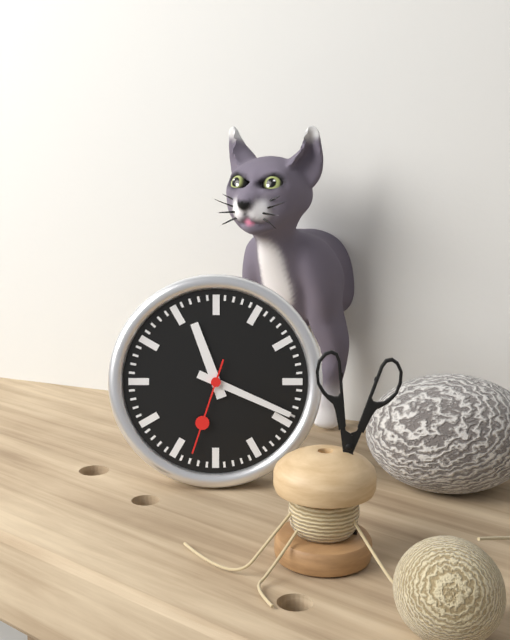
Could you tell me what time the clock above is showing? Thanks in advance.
11:19:33
